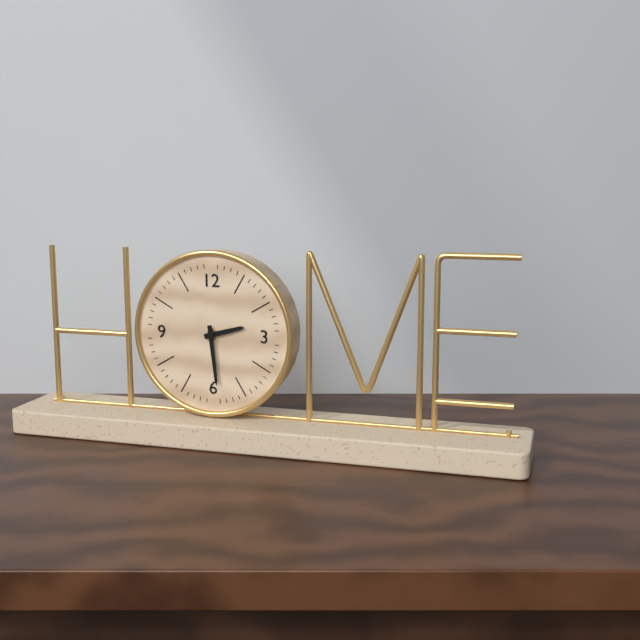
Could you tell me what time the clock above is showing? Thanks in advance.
2:29
